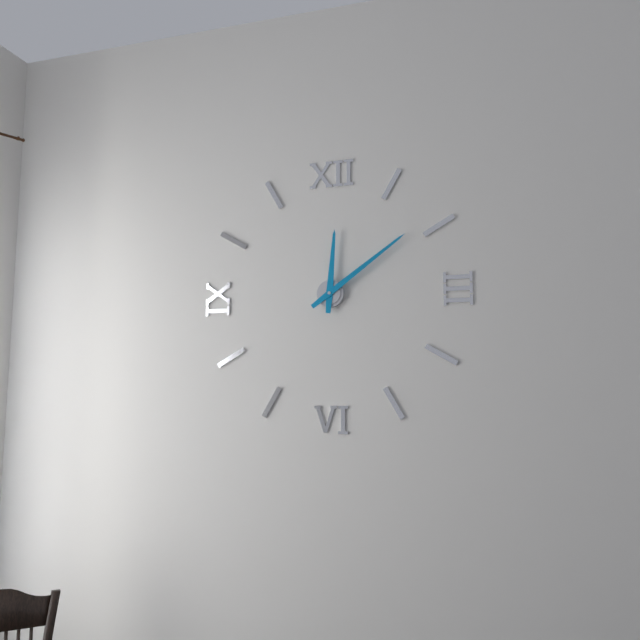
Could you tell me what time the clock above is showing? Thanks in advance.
12:09
